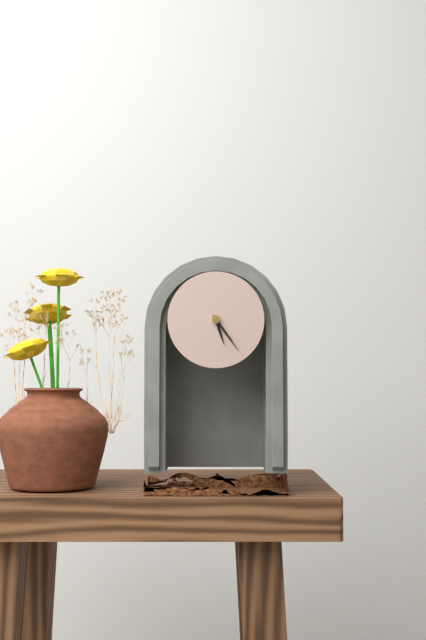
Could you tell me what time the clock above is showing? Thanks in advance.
5:24
